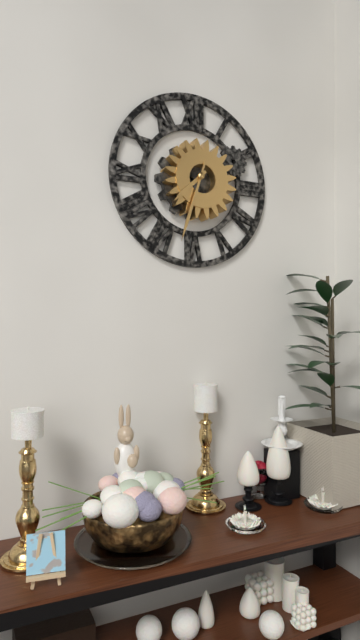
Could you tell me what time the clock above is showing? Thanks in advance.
7:33
